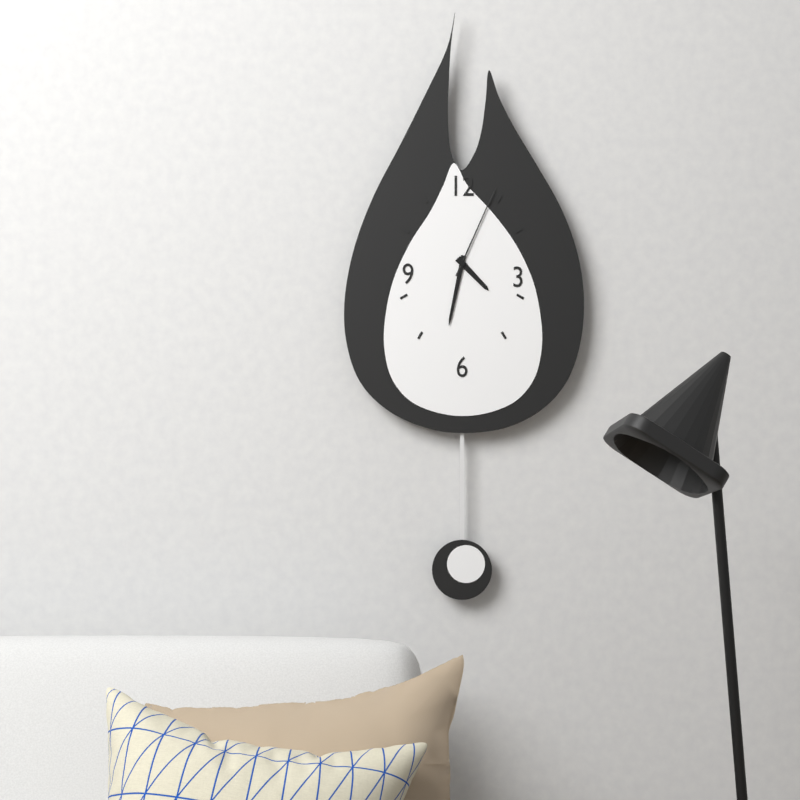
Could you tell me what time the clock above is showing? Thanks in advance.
4:32:04
